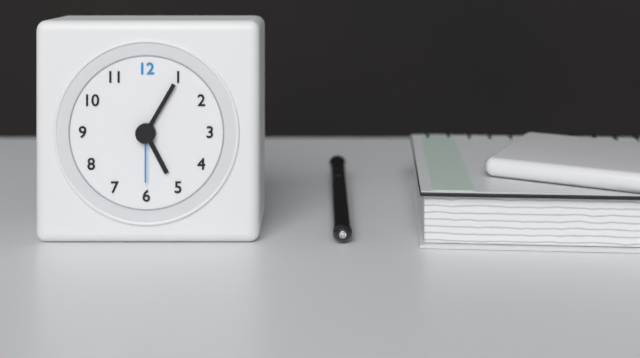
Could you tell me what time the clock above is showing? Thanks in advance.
5:05:30
